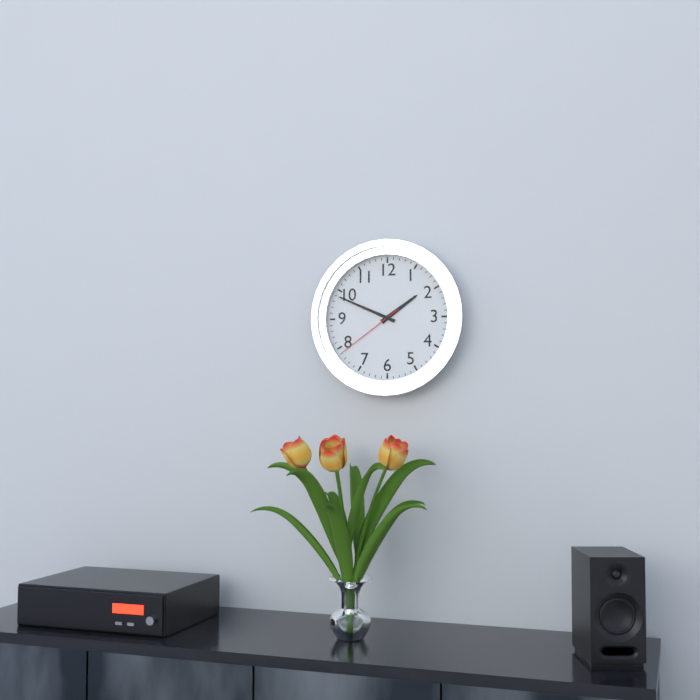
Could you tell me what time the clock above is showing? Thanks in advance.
1:49:39
